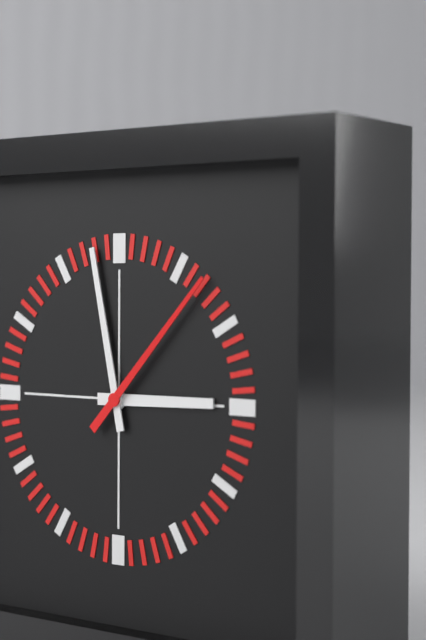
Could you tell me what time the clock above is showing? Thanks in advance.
2:58:07
